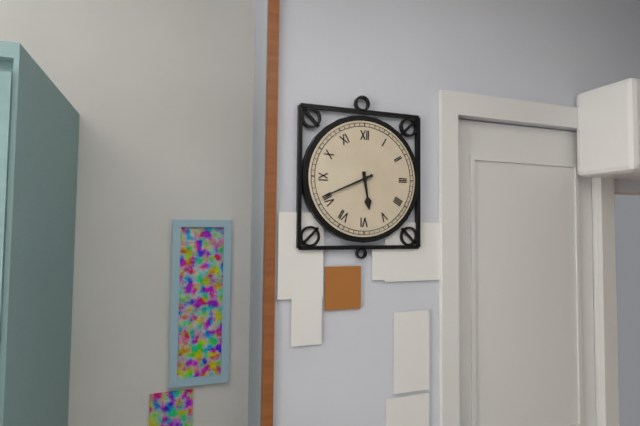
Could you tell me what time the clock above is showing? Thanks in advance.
5:41
